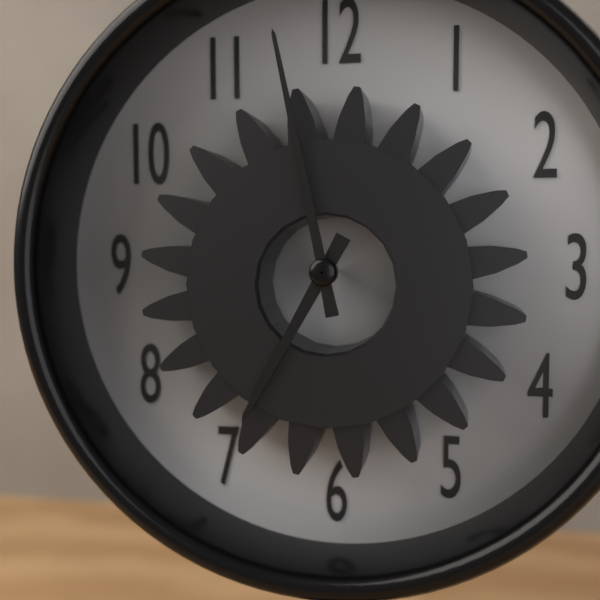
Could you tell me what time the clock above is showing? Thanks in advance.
6:58
